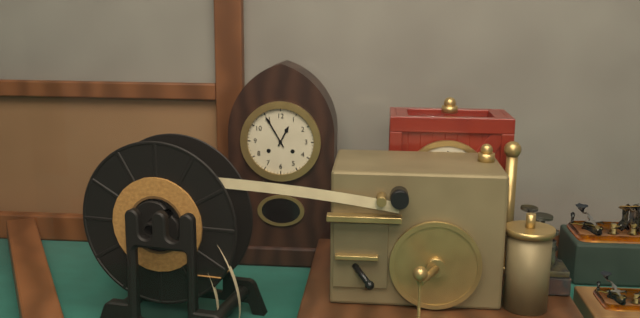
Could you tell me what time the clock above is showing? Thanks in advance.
12:55
